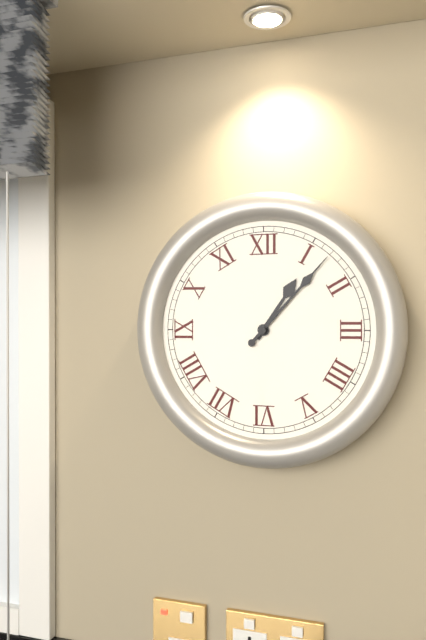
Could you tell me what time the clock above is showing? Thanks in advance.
1:07
